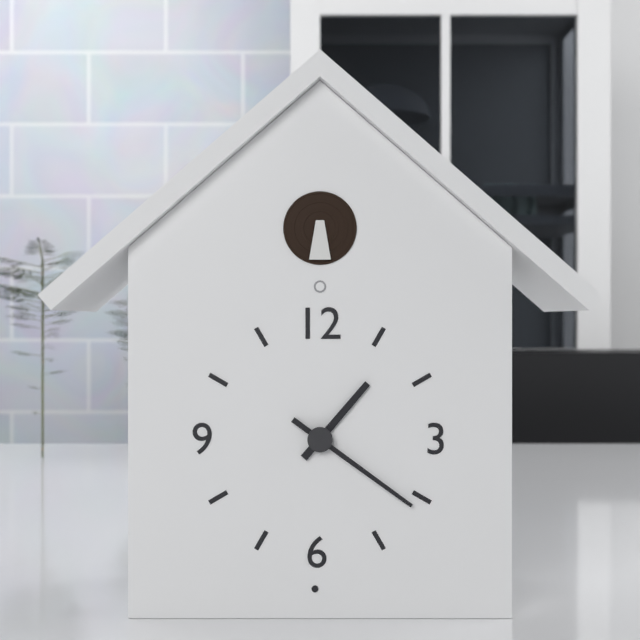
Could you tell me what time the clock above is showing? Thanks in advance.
1:21
